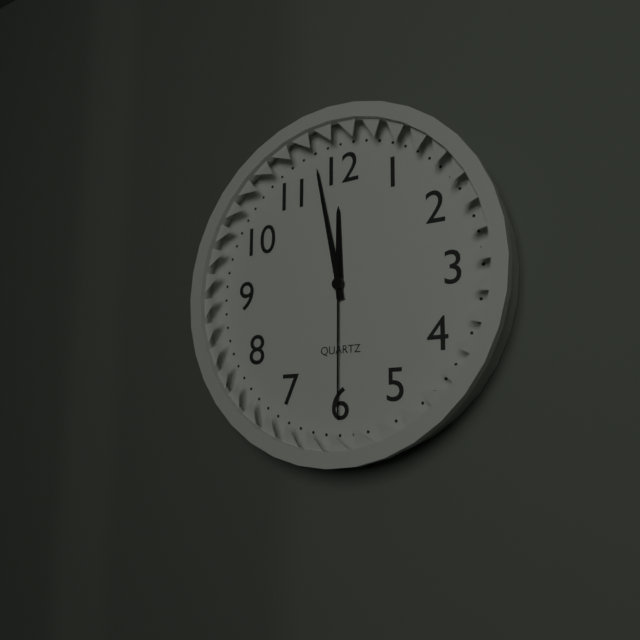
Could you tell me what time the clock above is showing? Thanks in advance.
11:58:30
